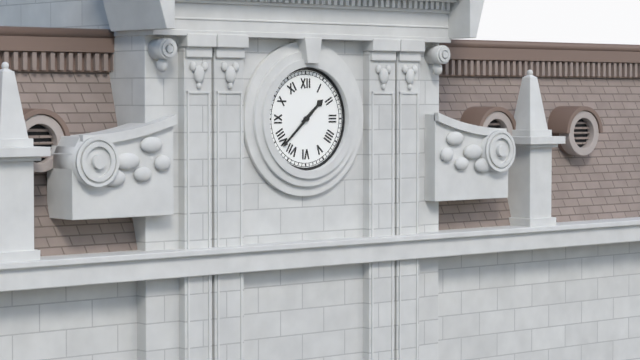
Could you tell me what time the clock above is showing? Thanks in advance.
1:38
